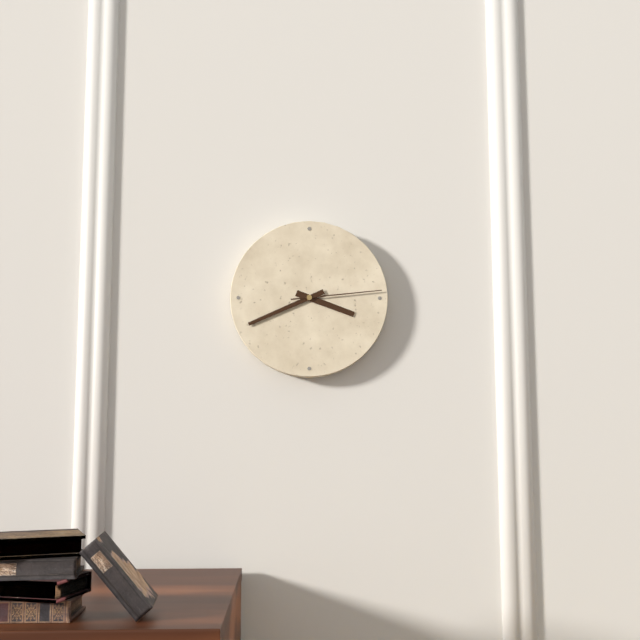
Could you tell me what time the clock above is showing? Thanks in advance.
3:41:14
